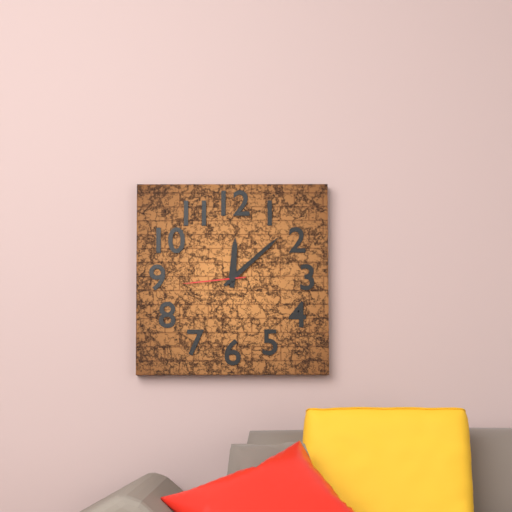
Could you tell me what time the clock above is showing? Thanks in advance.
12:08:44
